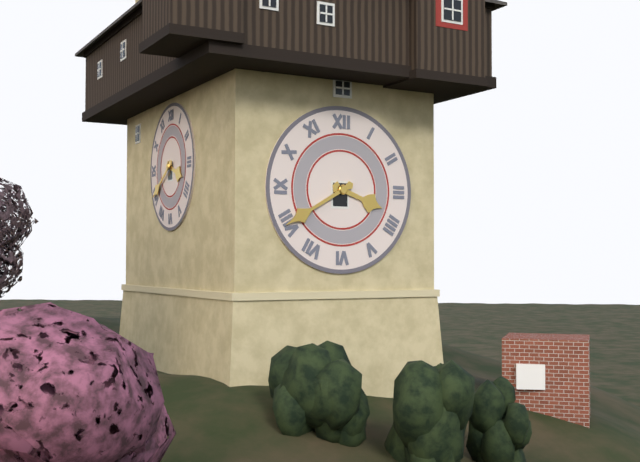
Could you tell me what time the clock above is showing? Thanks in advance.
3:40
